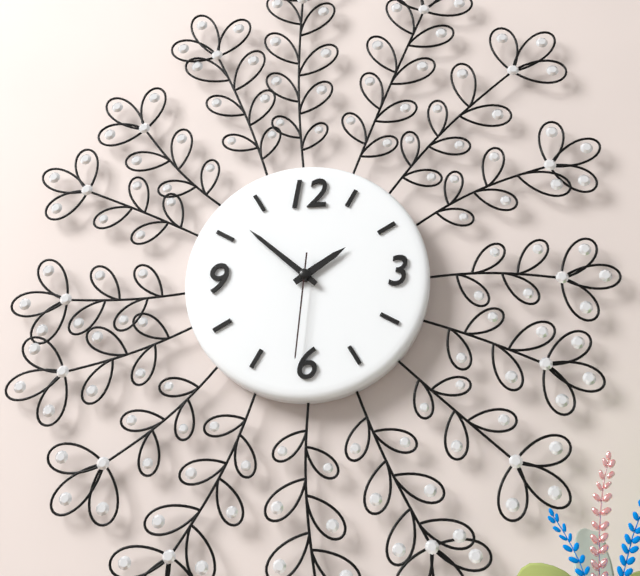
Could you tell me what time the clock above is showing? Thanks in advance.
1:52:31
